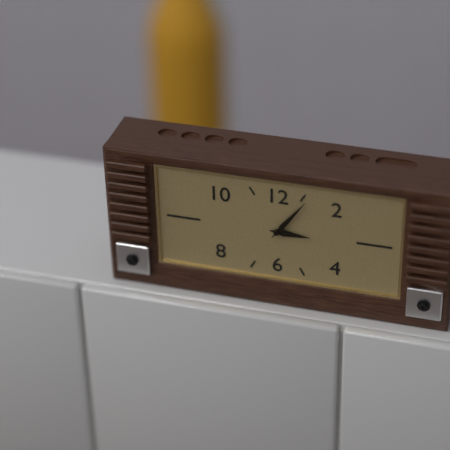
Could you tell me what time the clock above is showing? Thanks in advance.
3:06
